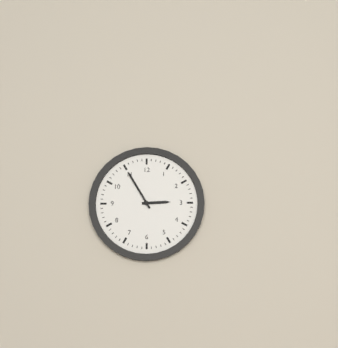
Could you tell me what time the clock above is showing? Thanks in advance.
2:55
